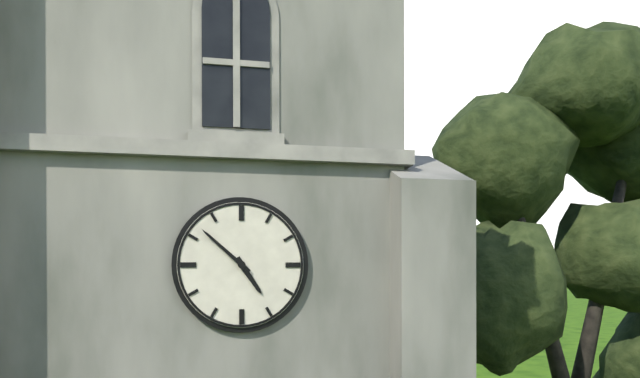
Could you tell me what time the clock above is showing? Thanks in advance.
4:52
